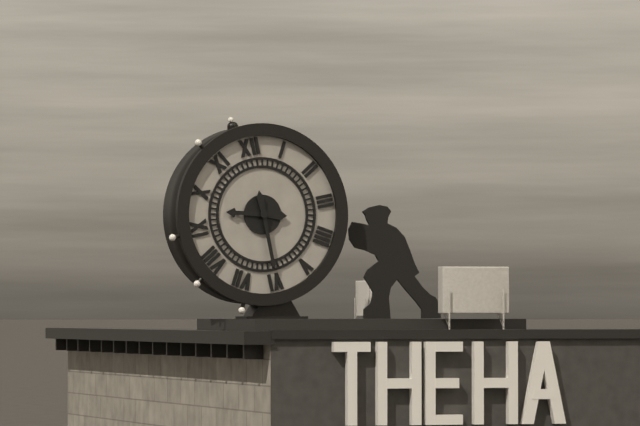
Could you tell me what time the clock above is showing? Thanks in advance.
9:30
